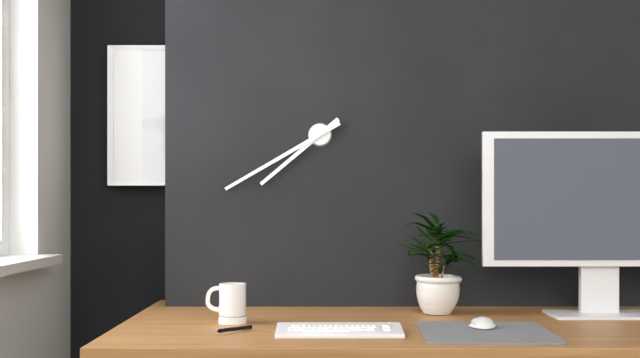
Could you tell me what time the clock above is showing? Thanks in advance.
7:40
